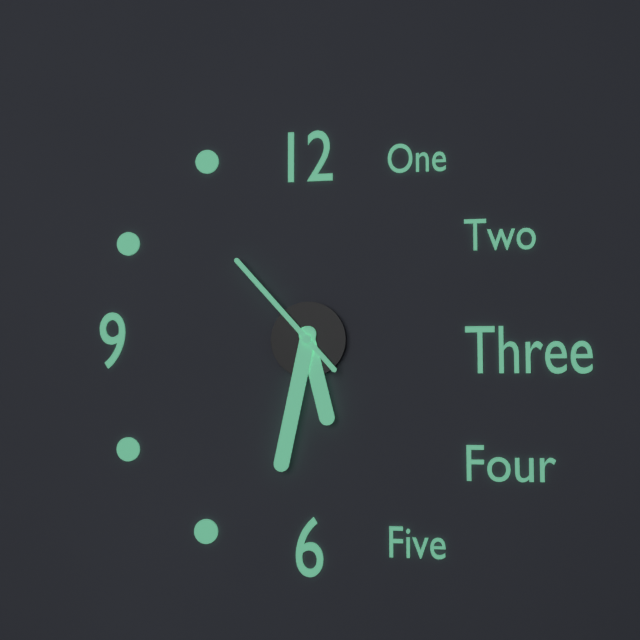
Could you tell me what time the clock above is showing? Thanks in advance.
5:32:53
